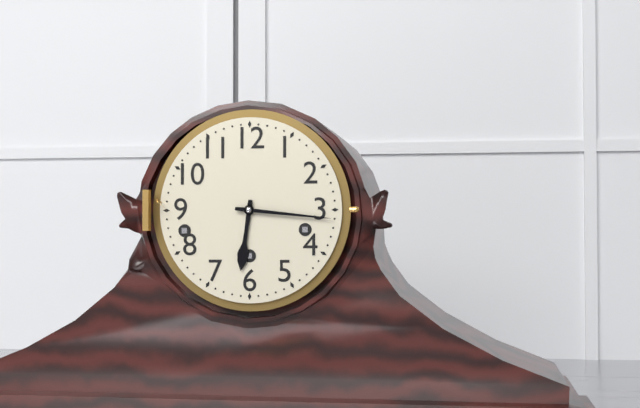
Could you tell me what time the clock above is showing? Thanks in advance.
6:16
